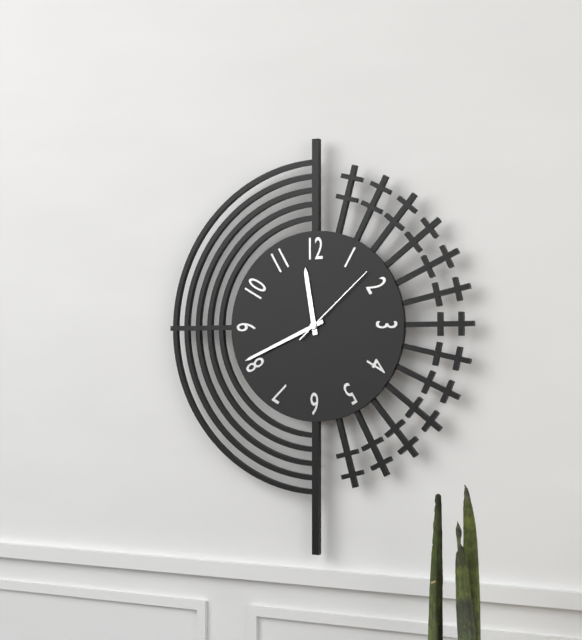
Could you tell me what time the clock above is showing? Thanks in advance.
11:41:08
